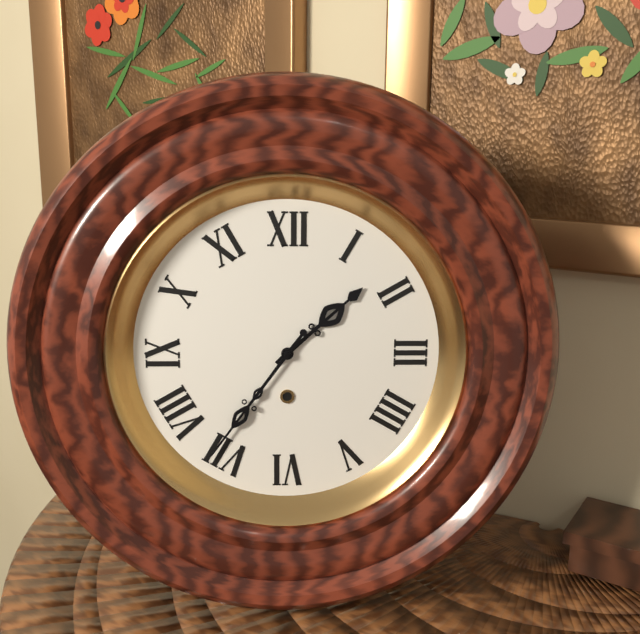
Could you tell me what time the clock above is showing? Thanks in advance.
1:36
